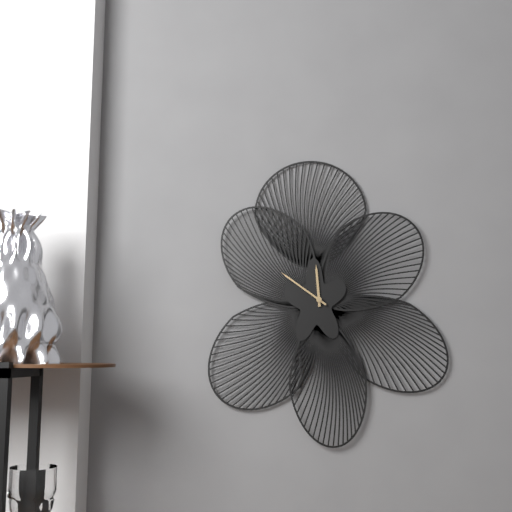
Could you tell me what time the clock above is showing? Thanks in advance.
11:51
